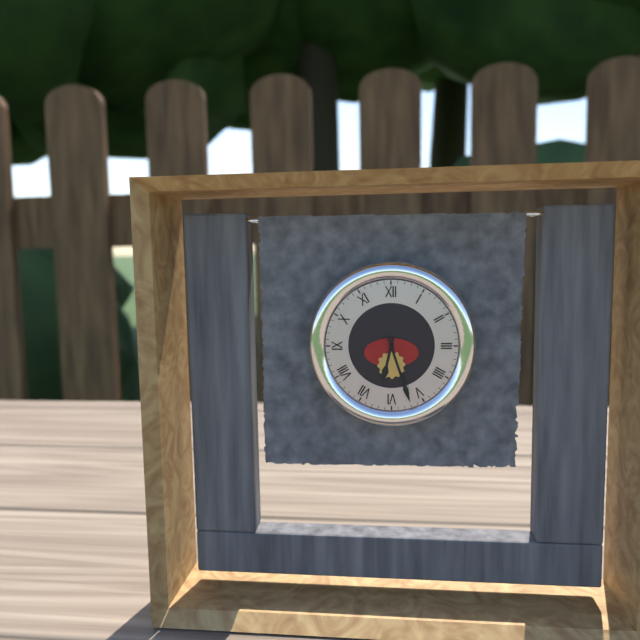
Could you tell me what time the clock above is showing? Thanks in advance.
6:27
